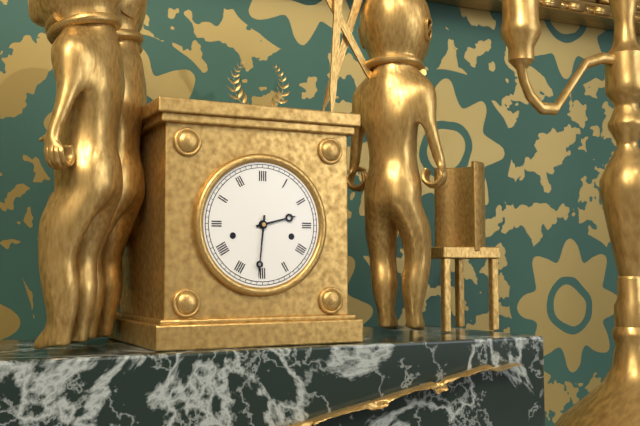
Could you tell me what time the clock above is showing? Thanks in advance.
2:31
